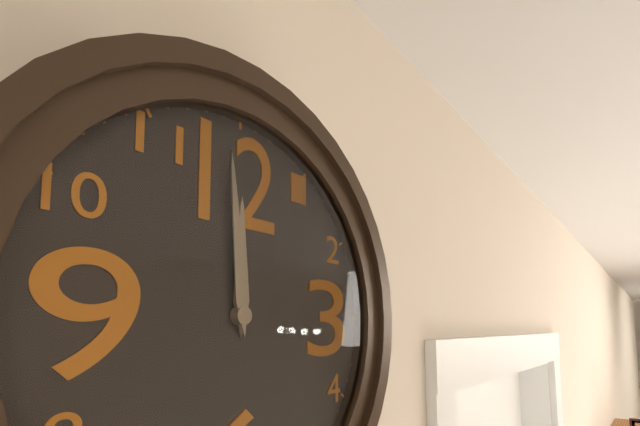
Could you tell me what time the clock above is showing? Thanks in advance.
11:59
